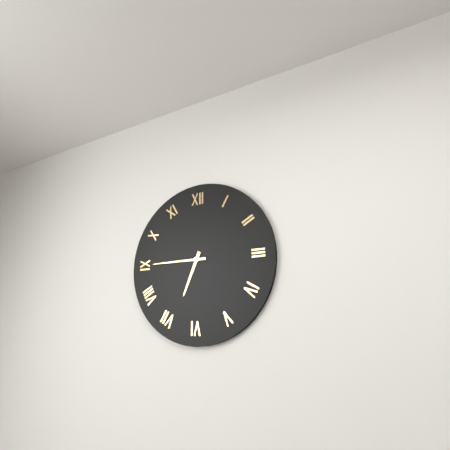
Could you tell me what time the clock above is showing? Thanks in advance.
6:45
